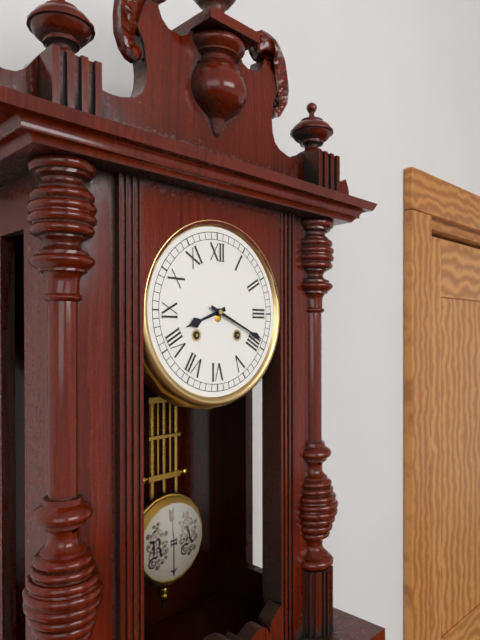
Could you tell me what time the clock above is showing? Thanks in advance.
8:19
